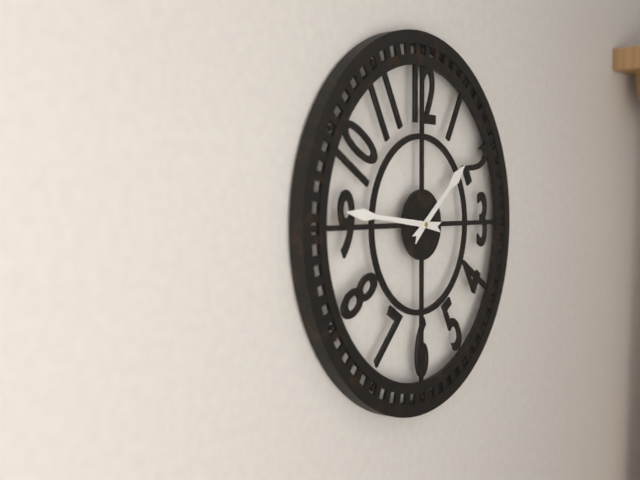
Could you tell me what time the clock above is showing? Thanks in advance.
1:46
